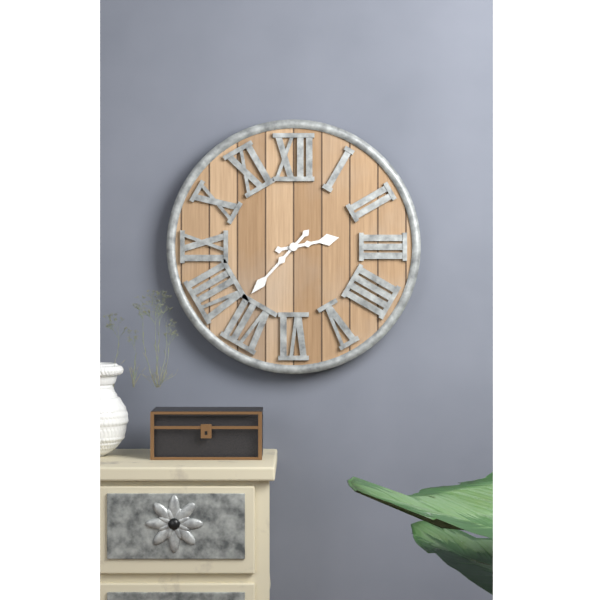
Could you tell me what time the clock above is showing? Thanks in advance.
2:37
